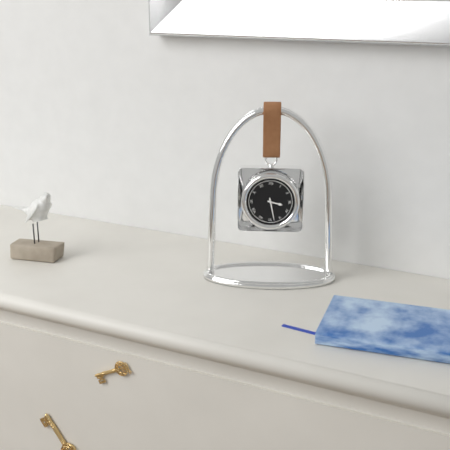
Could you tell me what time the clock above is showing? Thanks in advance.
3:28
